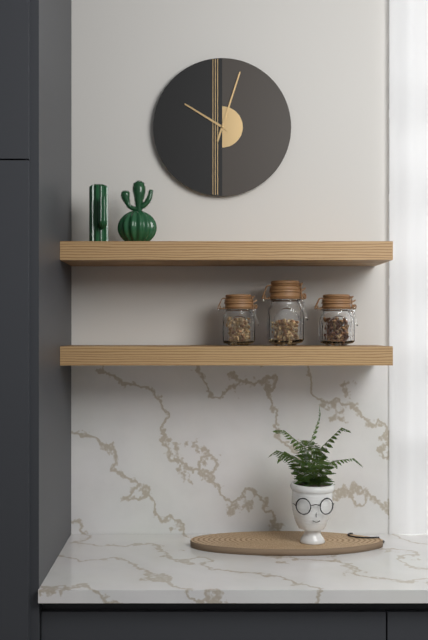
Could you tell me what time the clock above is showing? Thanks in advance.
10:03
